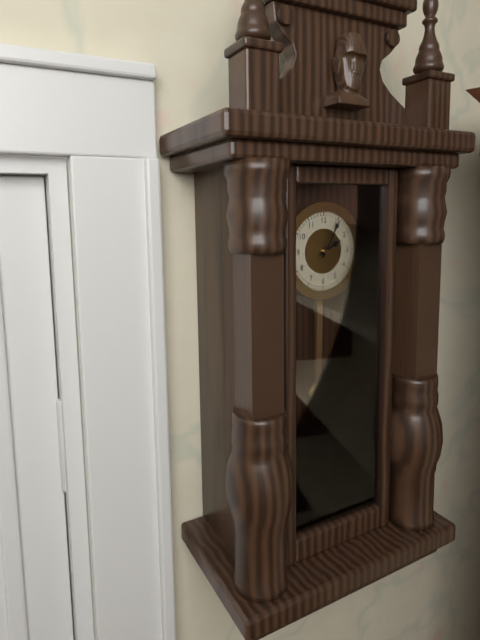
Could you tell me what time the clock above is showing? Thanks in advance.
2:05
